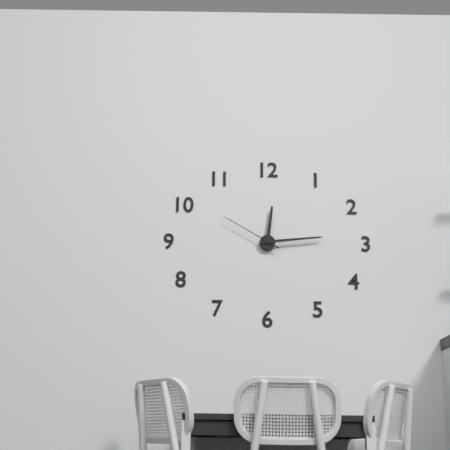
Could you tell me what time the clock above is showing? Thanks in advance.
12:14:50
